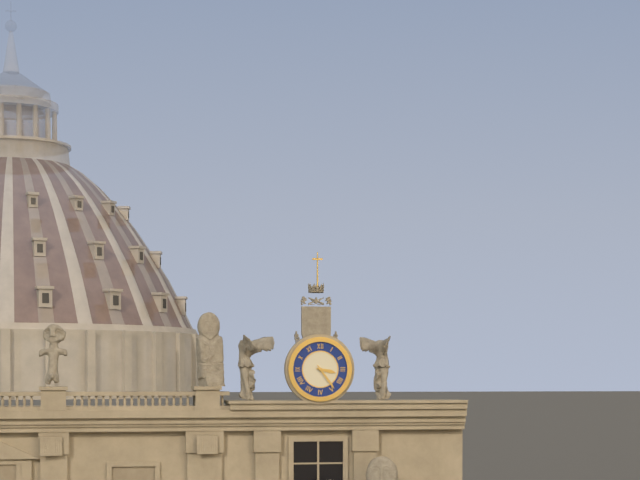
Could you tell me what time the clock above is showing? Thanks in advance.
3:24
